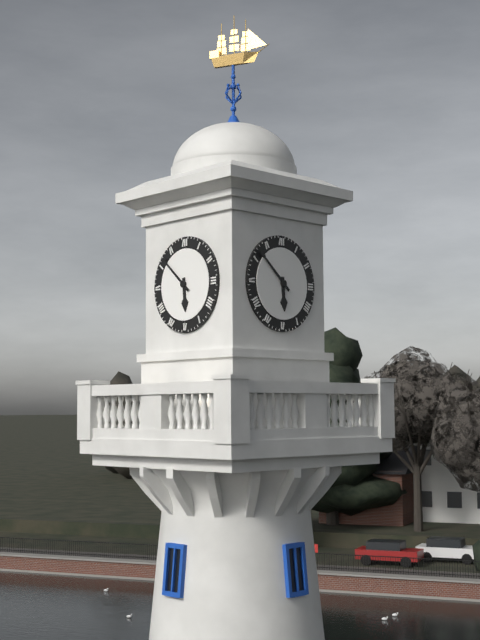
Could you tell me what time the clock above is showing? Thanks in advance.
5:52
